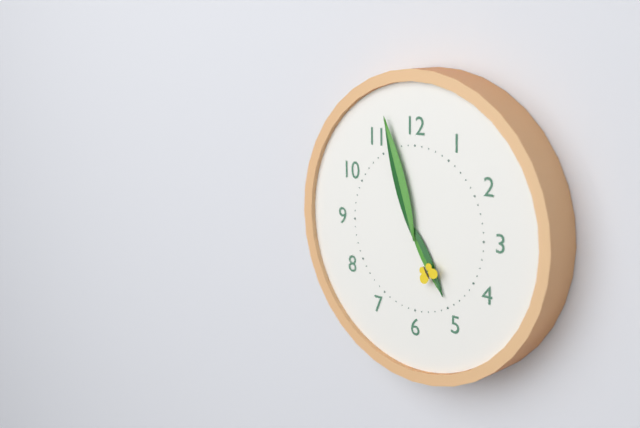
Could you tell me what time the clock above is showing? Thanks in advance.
4:57
